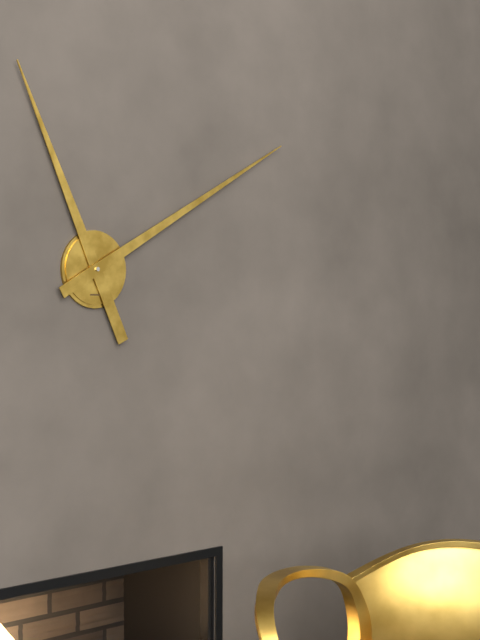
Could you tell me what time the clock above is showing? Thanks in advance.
11:10
